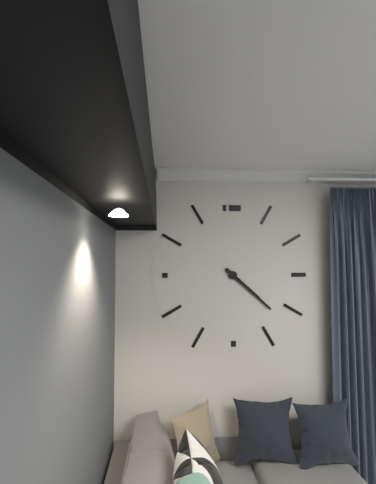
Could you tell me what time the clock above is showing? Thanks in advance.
4:22
